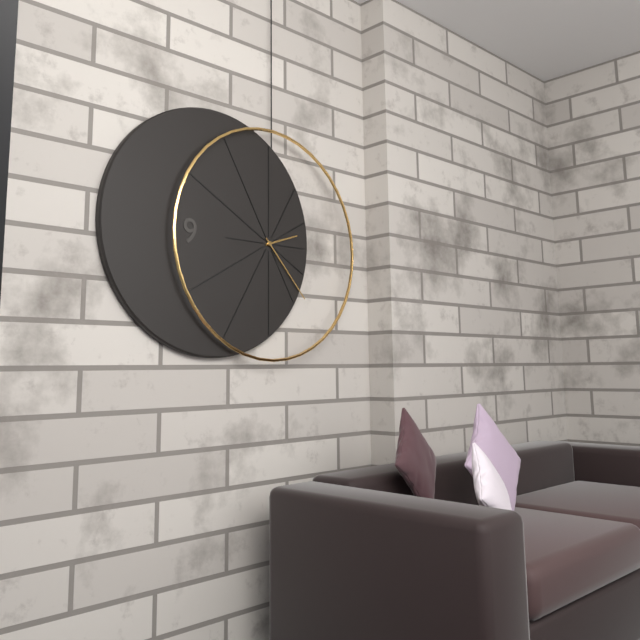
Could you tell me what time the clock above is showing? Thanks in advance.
2:23
